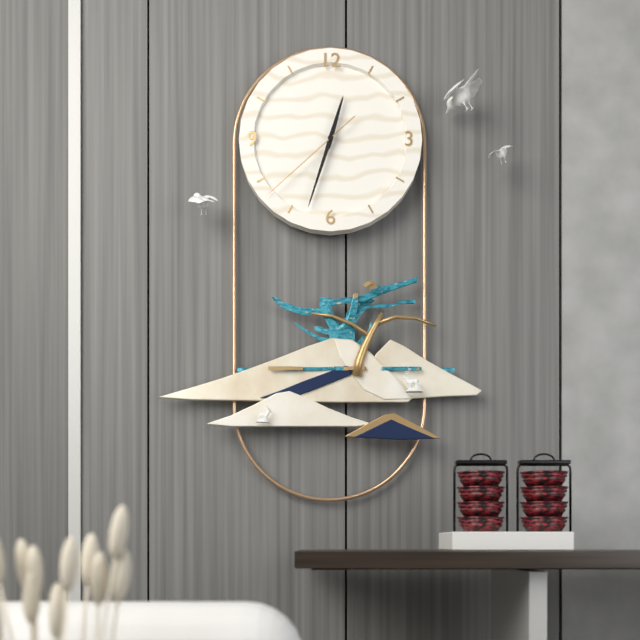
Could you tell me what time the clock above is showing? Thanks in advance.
12:33:38
